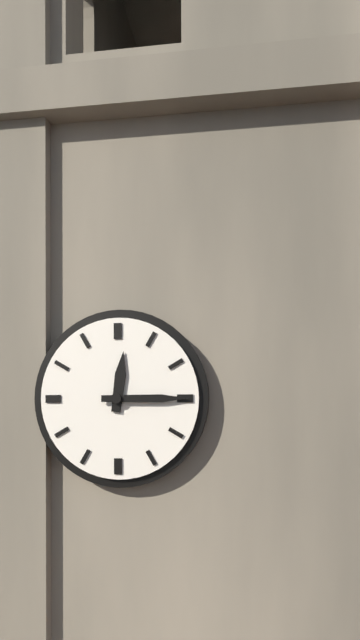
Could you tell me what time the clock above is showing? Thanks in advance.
12:15
